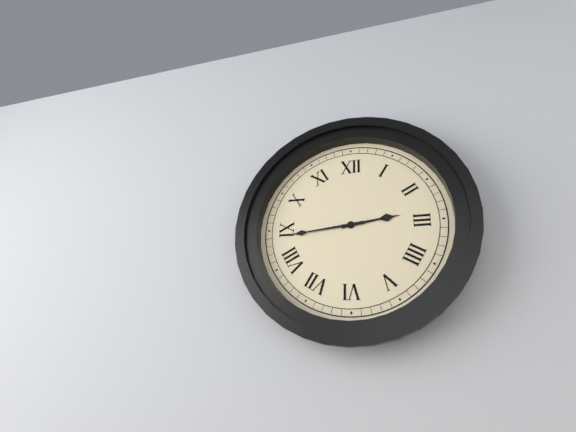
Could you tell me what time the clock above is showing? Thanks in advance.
2:44
